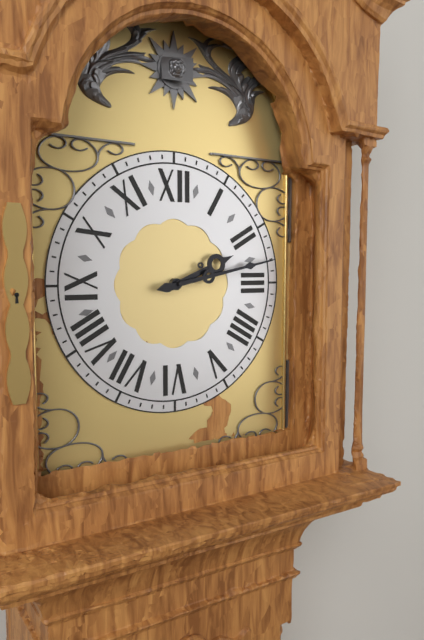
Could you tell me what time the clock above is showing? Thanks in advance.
2:13
